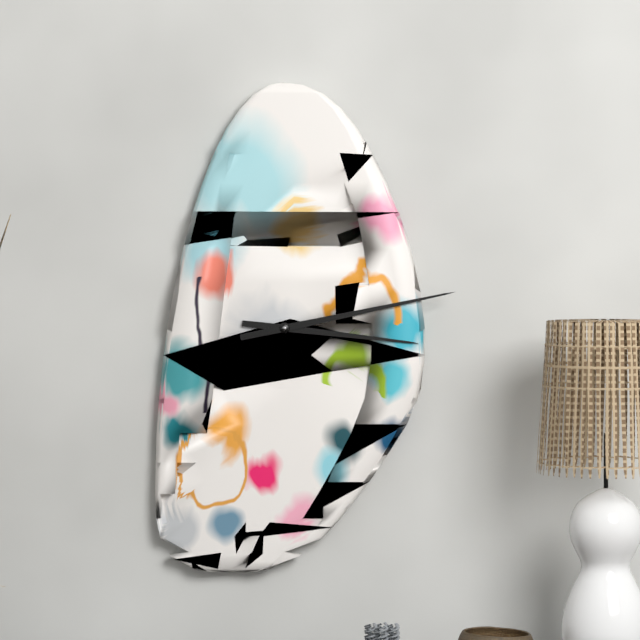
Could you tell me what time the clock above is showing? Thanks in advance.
3:13
